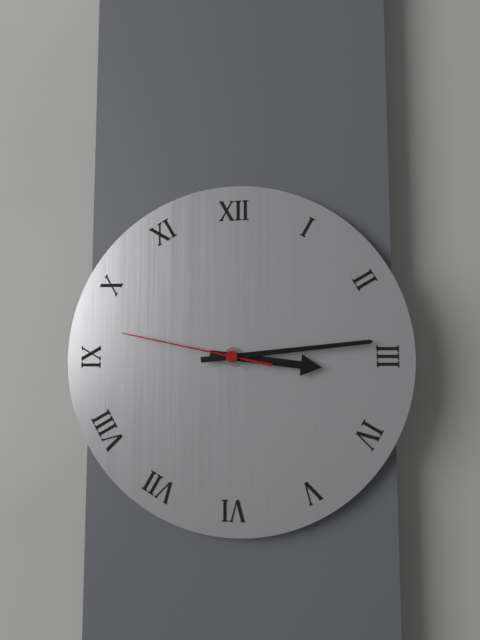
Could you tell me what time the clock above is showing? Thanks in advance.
3:14:47
